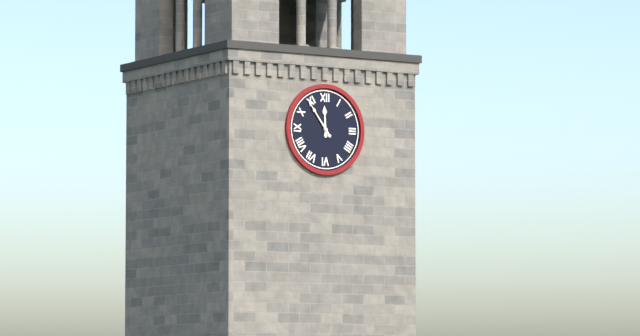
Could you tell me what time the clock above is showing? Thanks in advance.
11:54
